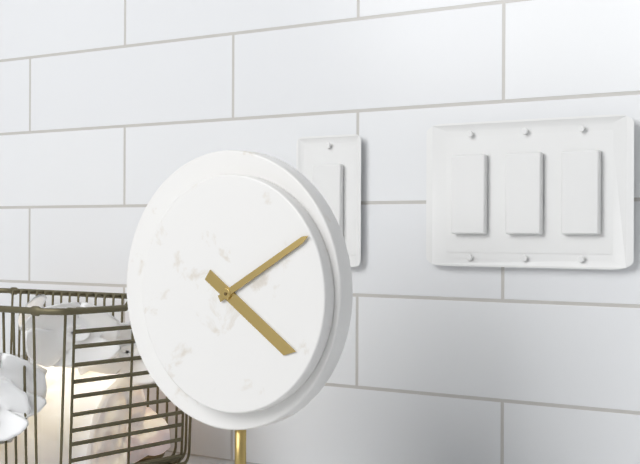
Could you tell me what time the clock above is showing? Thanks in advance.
4:10
